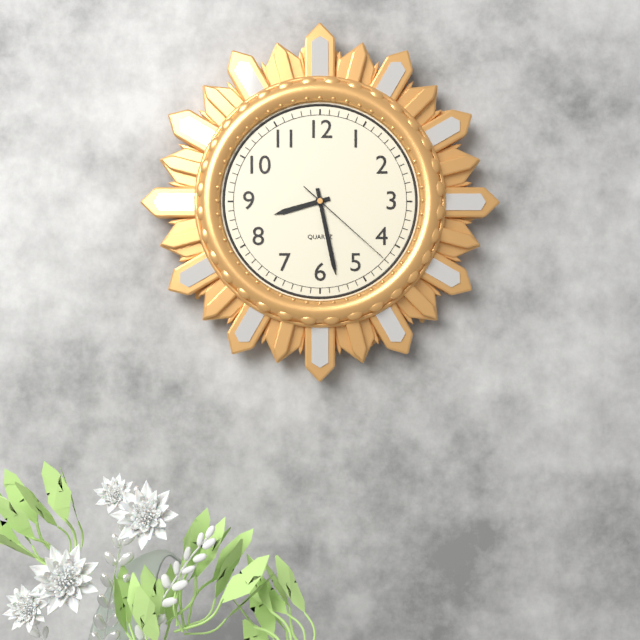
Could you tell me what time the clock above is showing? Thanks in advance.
8:28:22
